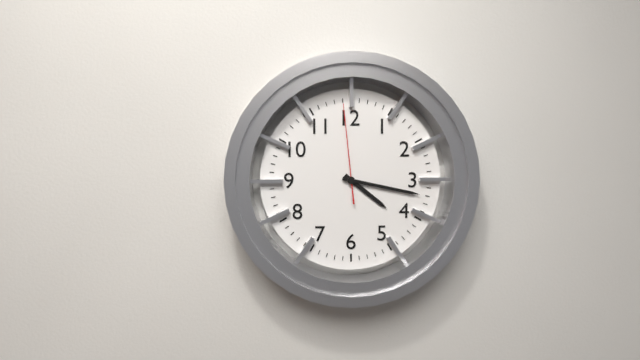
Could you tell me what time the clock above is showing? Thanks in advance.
4:17:59
